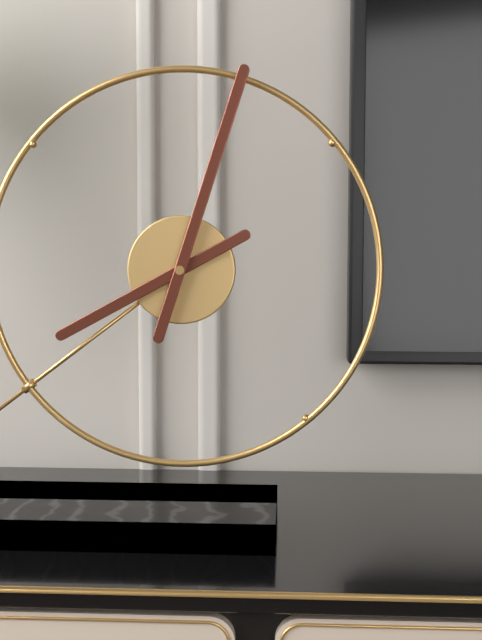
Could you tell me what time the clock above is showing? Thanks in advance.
8:03
